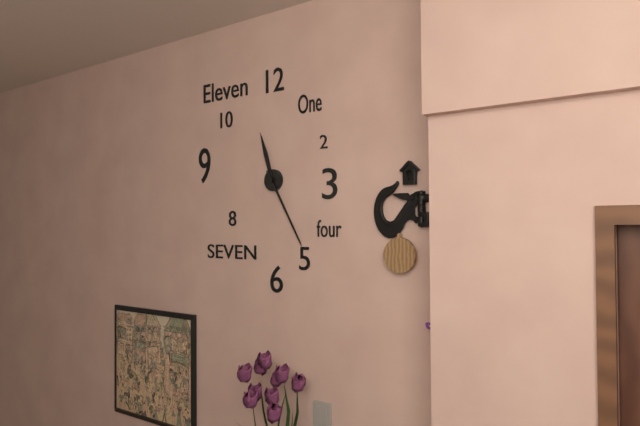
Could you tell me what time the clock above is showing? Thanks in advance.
11:25
